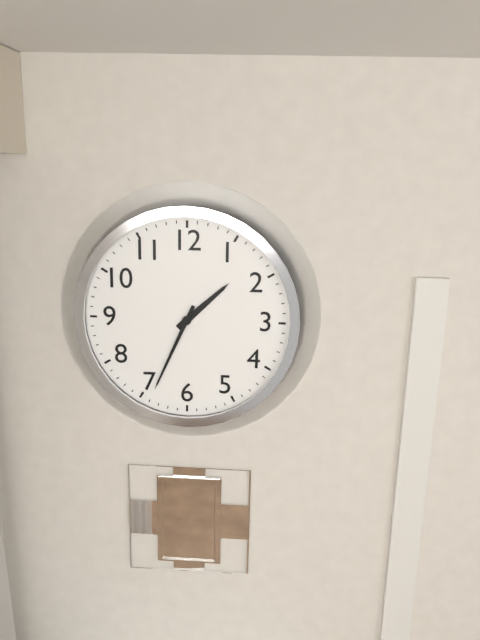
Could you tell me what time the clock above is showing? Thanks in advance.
1:34
